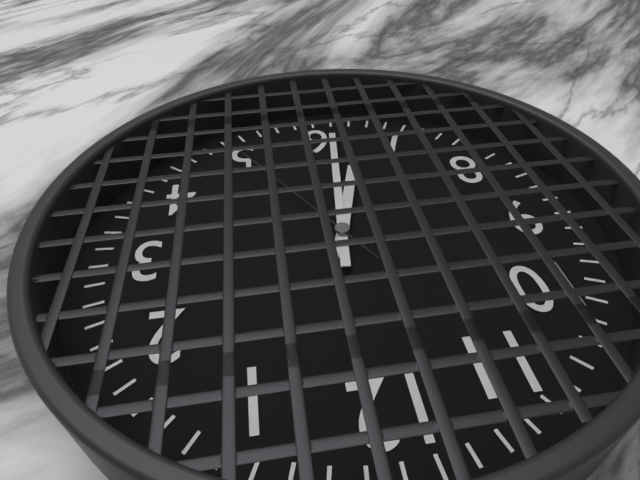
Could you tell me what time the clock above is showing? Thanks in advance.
6:31:25
